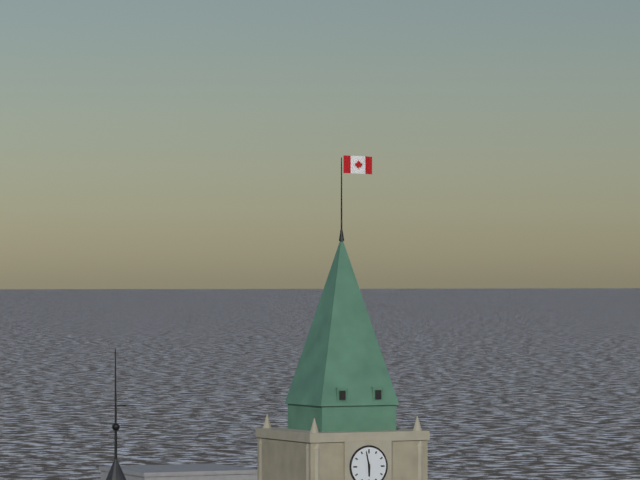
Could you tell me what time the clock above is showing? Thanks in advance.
5:58
